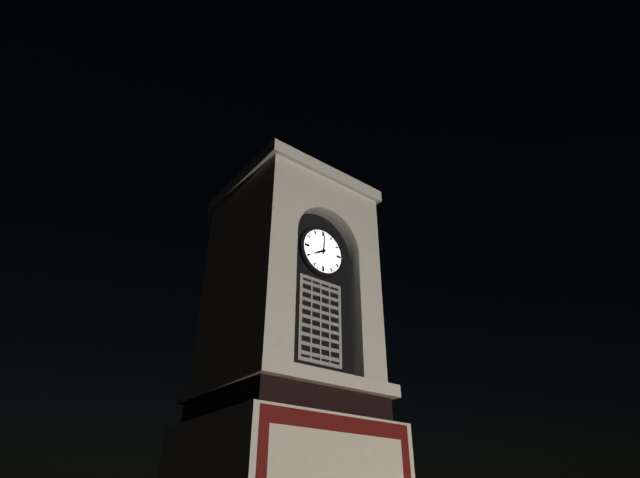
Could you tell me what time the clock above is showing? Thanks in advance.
8:01
